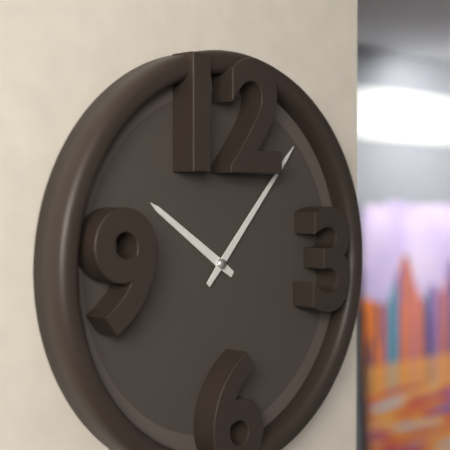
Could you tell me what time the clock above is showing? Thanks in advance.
10:07
